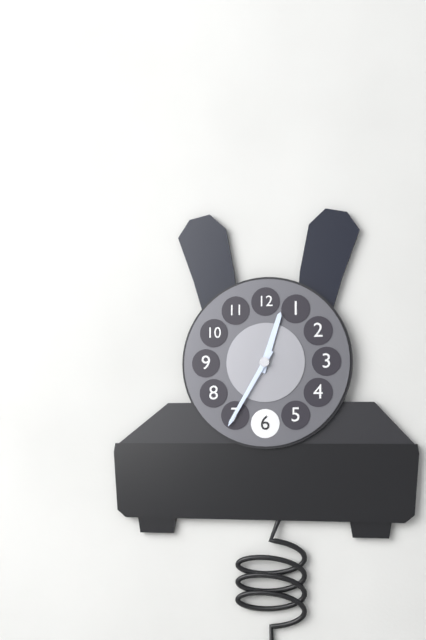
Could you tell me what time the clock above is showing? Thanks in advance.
12:35
